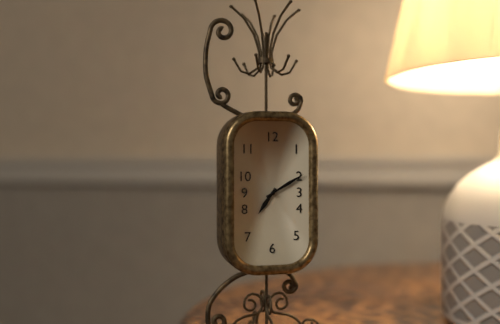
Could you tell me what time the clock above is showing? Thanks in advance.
7:10
